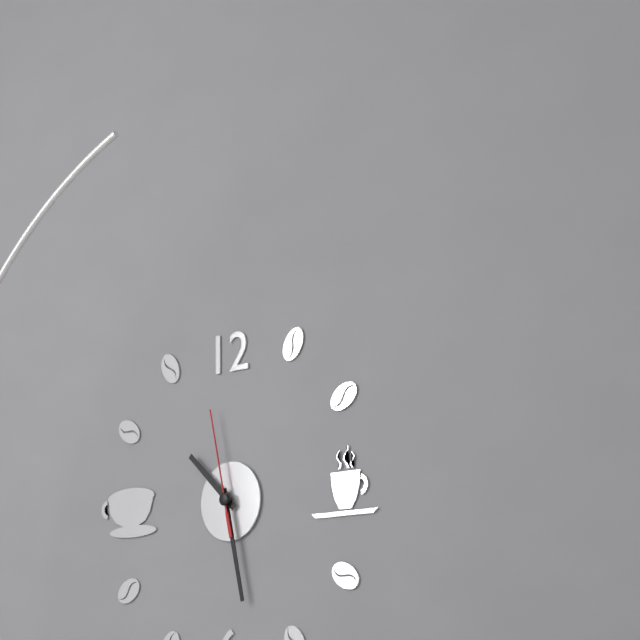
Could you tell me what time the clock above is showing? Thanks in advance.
10:28:58
